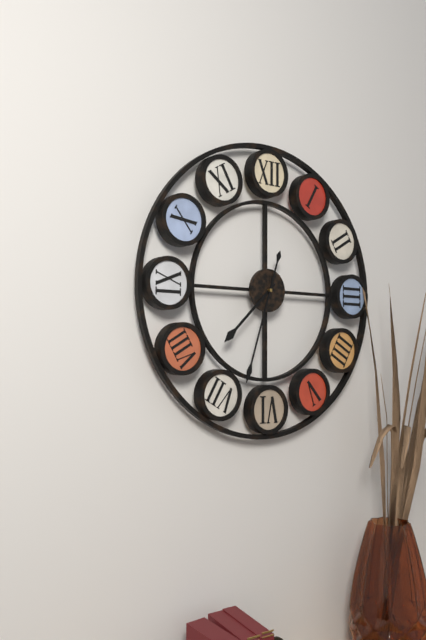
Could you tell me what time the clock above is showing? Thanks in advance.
7:33
